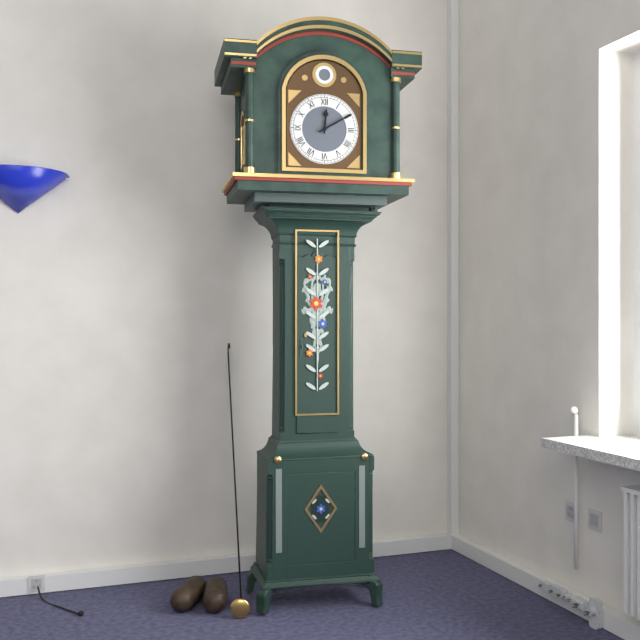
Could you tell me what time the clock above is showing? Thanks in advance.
12:10
